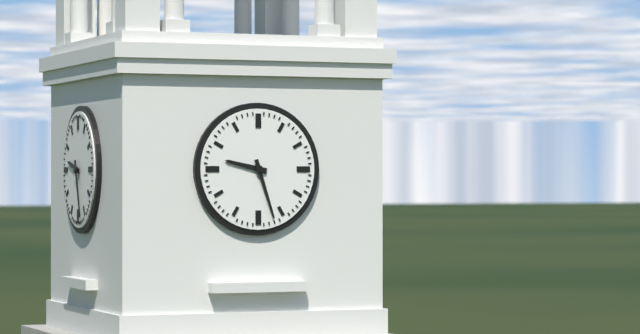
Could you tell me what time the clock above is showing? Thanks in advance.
9:27
